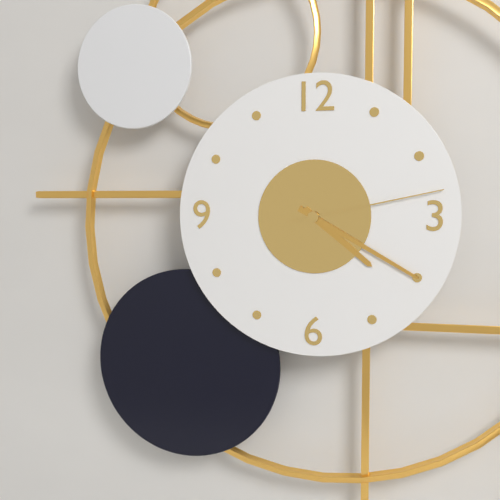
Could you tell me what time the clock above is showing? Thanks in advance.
4:20:13
